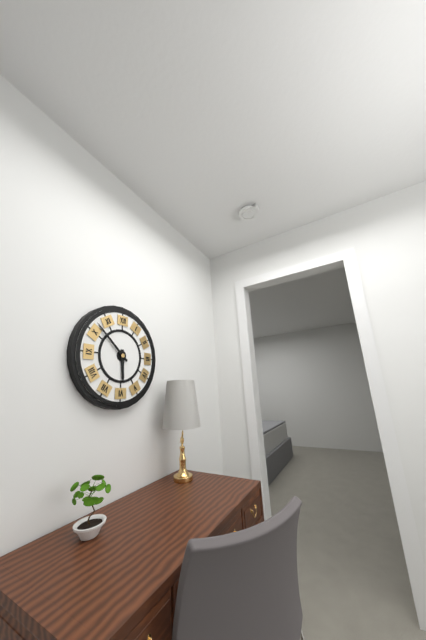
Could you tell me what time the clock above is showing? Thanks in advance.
5:52
